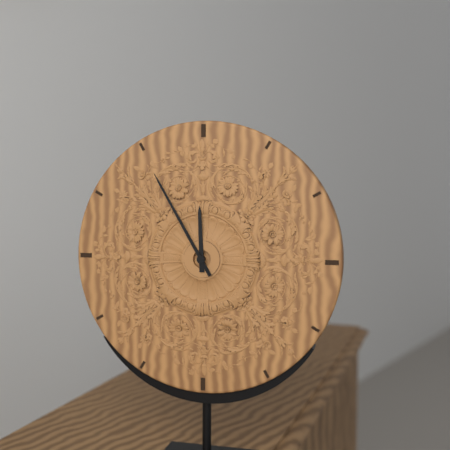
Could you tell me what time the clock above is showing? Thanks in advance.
11:55
